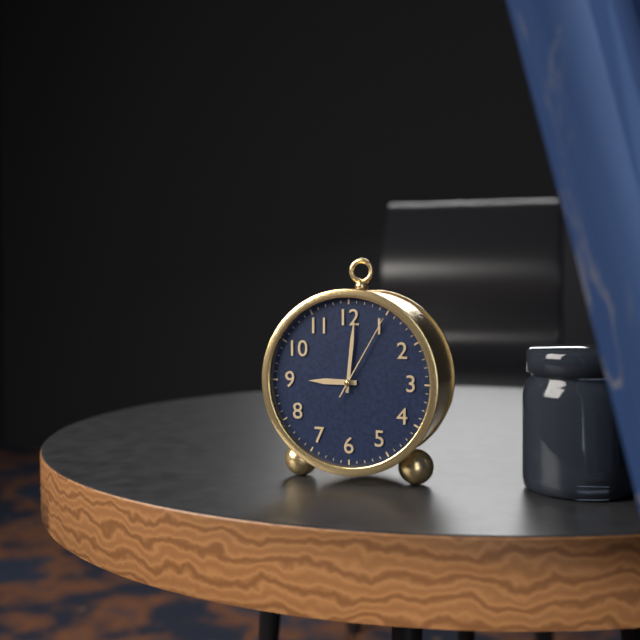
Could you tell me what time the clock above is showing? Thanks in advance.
9:01:05
